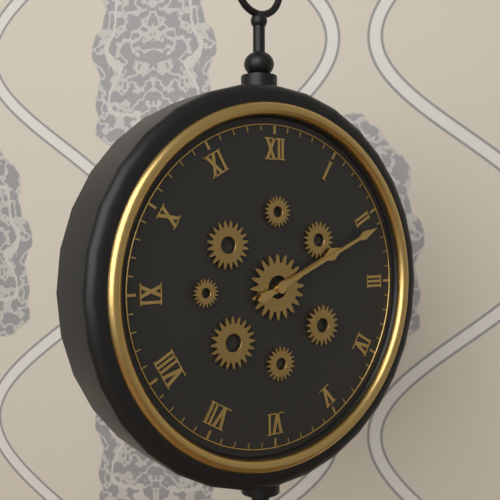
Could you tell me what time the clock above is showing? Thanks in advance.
2:11
